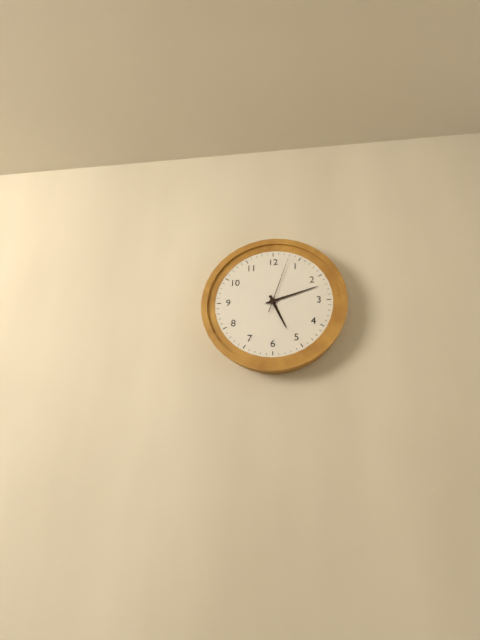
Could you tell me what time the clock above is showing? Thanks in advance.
5:12:03
